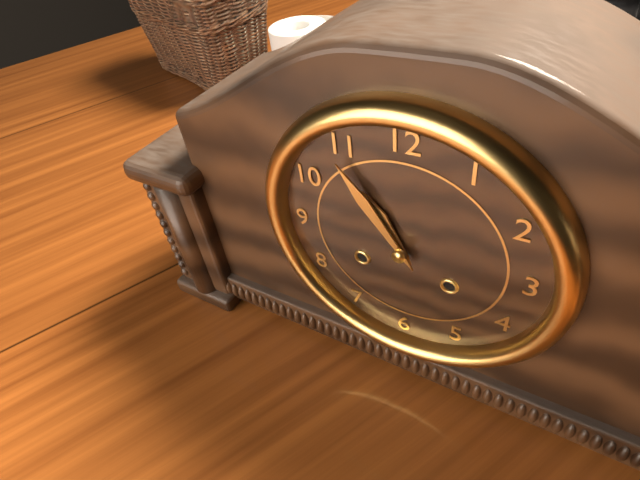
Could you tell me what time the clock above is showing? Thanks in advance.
10:54
